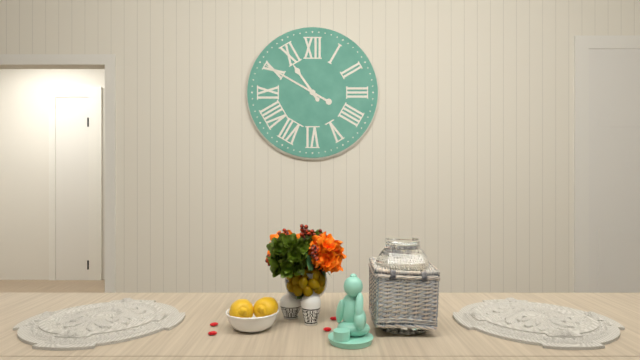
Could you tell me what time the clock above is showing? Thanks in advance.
10:50
